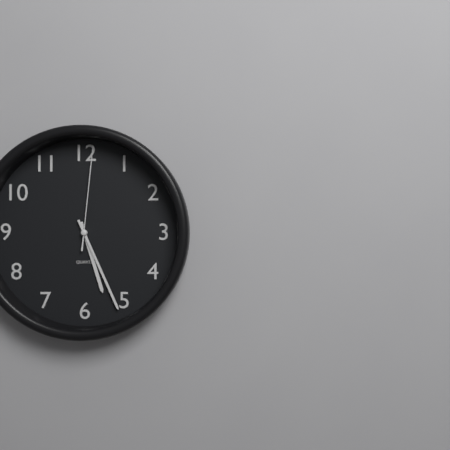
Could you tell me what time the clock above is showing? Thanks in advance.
5:26:01
